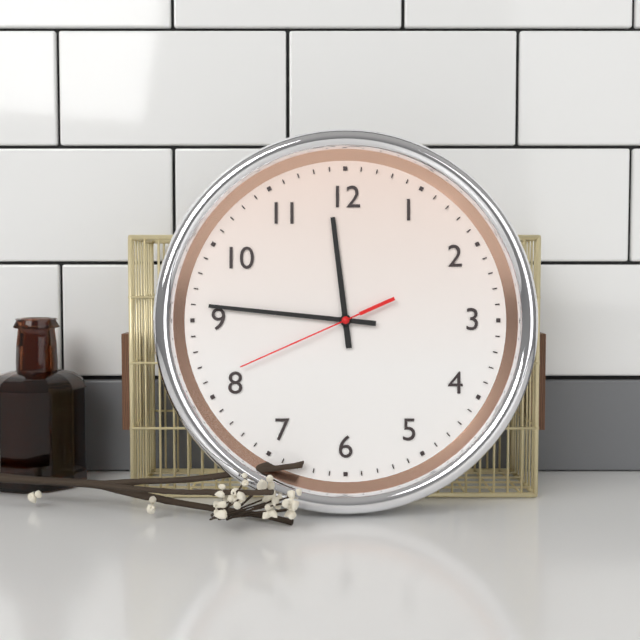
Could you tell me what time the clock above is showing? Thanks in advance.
11:46:41
